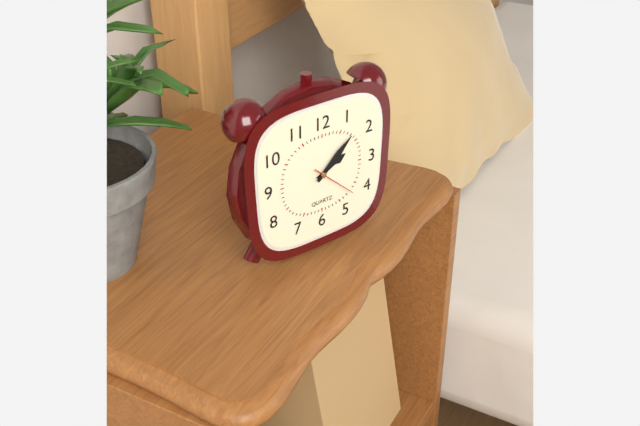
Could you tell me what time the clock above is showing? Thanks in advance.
2:08
